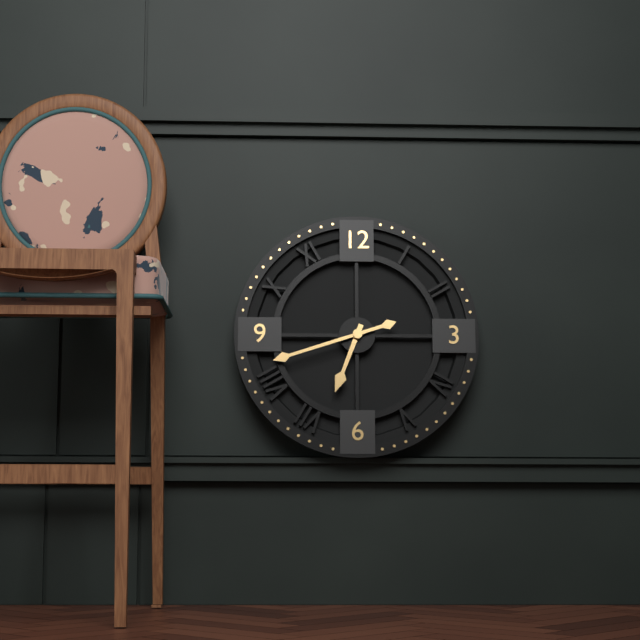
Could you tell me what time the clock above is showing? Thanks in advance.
6:42
